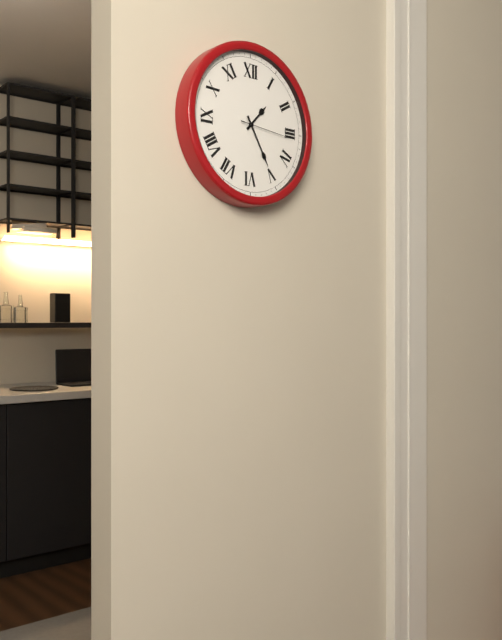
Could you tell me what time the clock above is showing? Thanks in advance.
1:25:16
